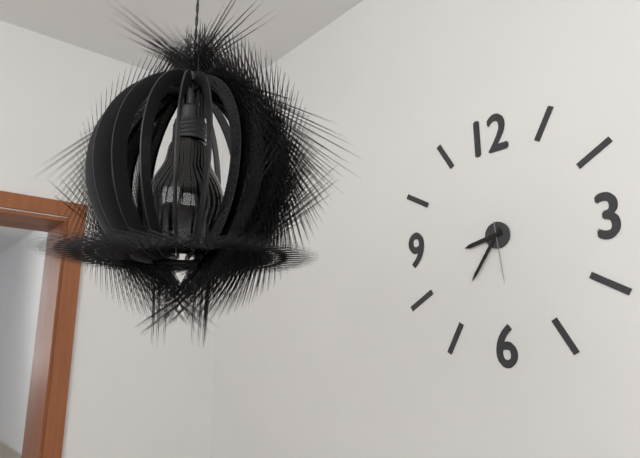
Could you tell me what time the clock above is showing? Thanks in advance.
8:36:29
